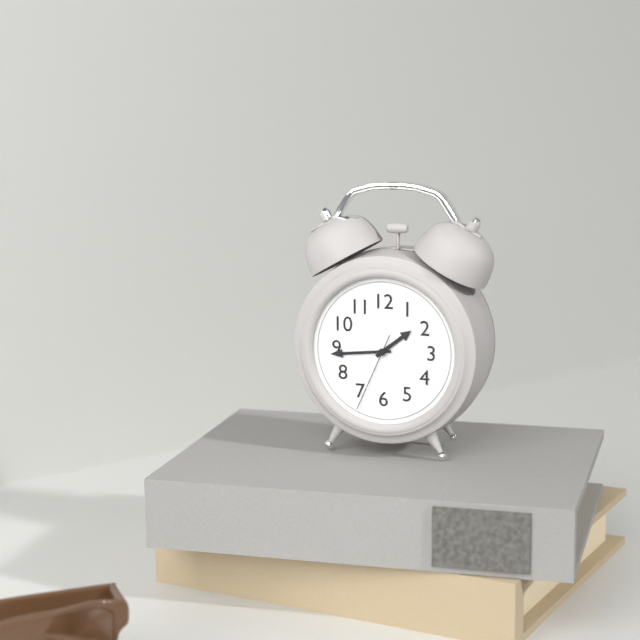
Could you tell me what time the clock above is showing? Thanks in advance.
1:44:34
